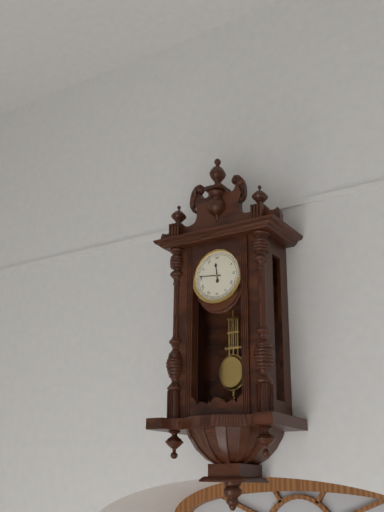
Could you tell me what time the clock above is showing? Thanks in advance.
11:46
